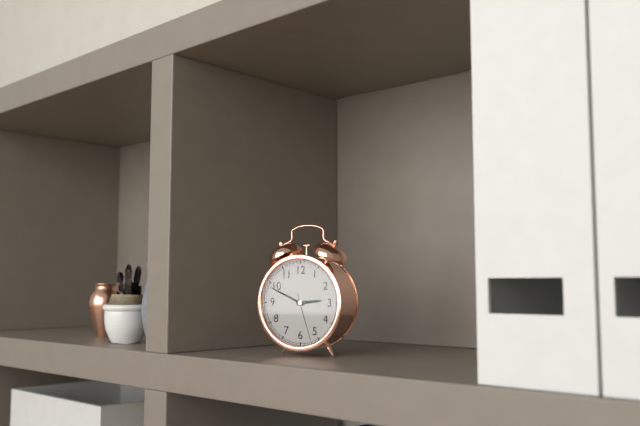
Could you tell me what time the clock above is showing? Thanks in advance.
2:49:27
